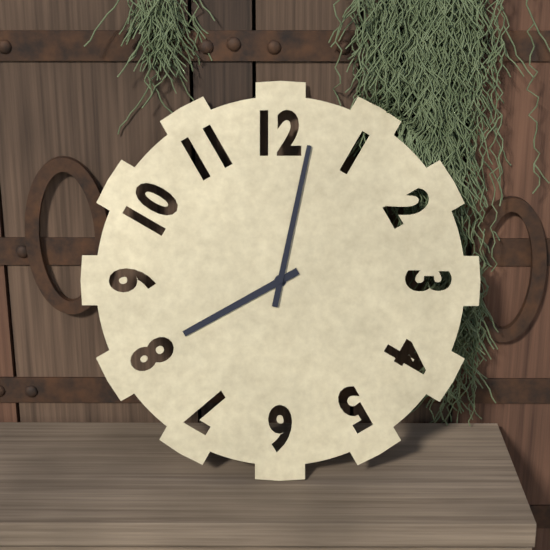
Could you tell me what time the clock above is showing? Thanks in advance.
8:02
